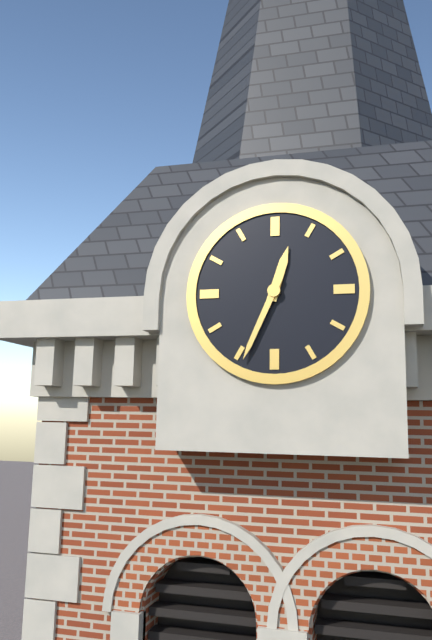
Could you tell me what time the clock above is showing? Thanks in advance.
12:34
